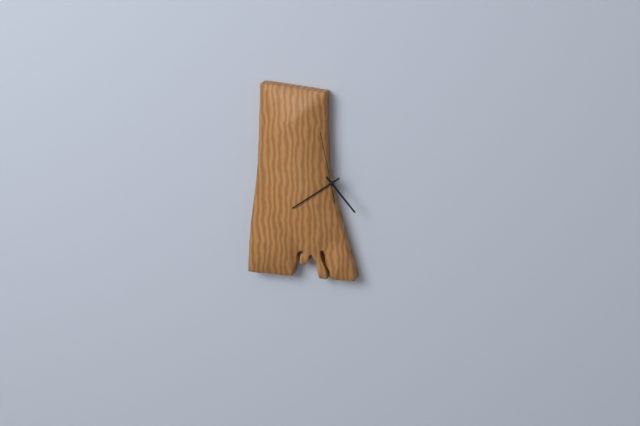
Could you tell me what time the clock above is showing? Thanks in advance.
4:39:58
